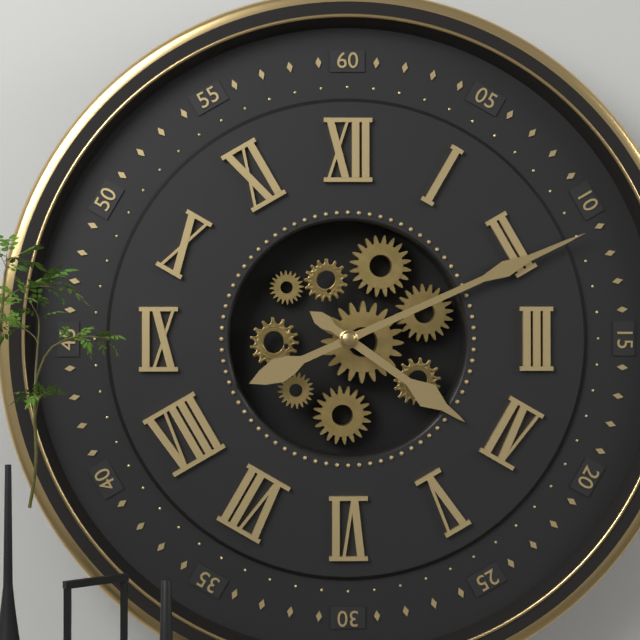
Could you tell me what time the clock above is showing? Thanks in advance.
4:11
